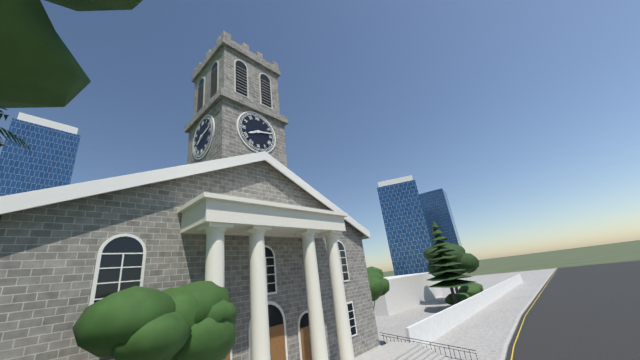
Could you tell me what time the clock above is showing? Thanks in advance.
8:13
